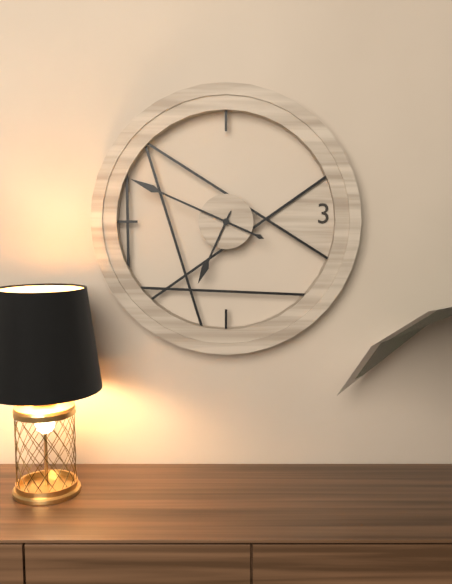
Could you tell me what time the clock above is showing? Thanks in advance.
6:49
